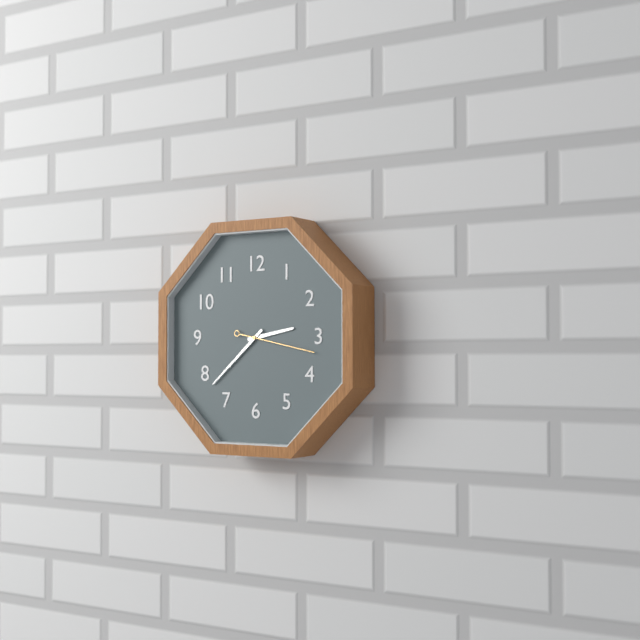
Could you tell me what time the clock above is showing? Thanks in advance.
2:38:17
